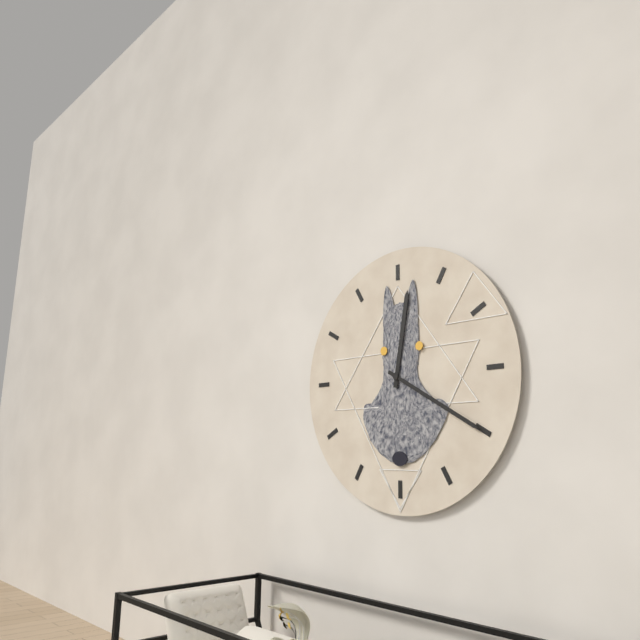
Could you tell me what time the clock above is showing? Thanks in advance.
12:20
